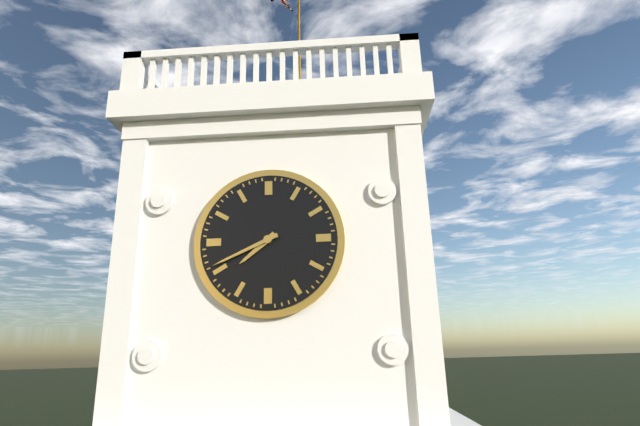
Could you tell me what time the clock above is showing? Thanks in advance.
7:41
